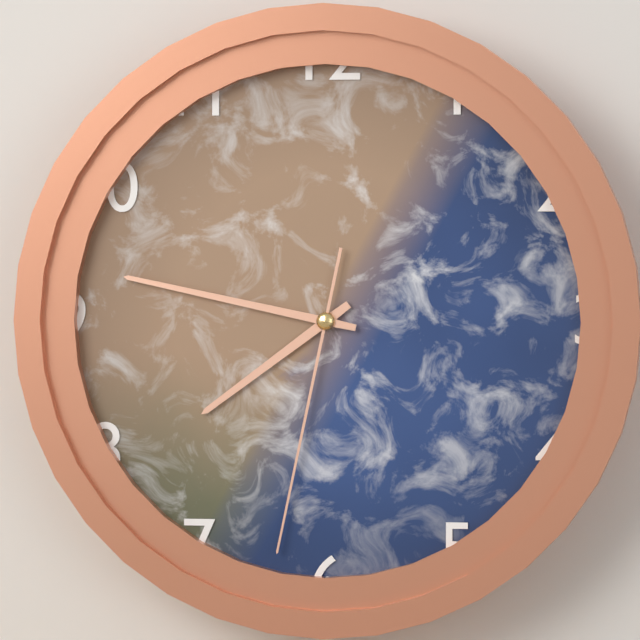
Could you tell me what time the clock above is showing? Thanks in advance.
7:47:32
